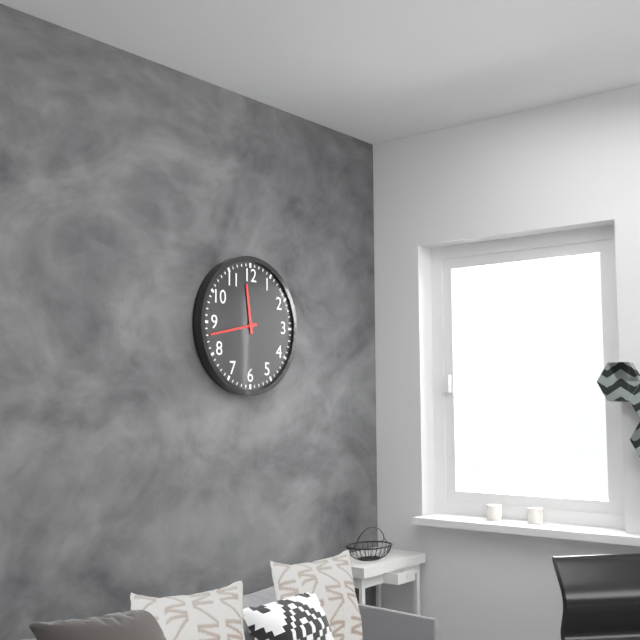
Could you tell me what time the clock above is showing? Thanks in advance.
11:43
